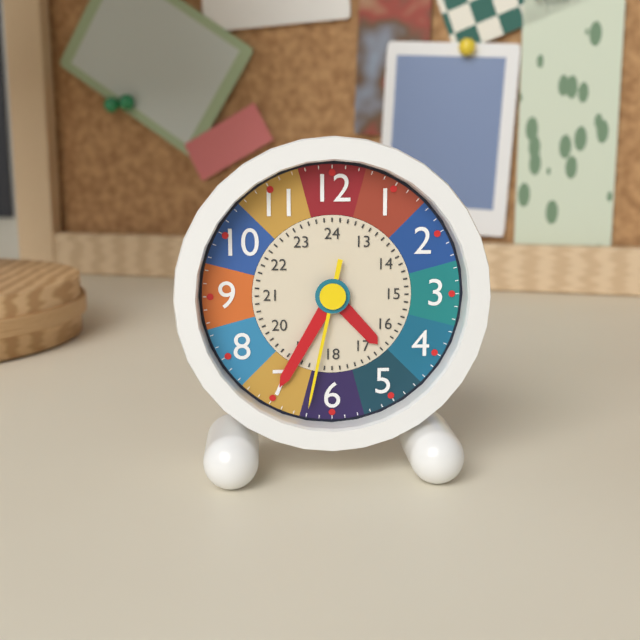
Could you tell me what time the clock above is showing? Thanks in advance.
4:35:32
